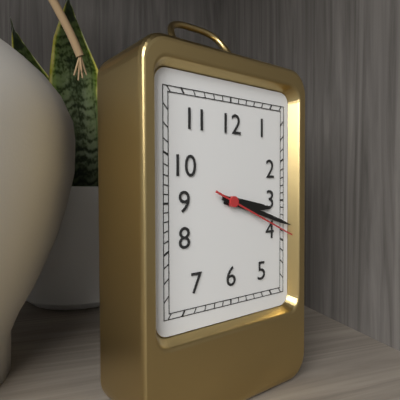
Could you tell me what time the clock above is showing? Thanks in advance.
3:18:19
